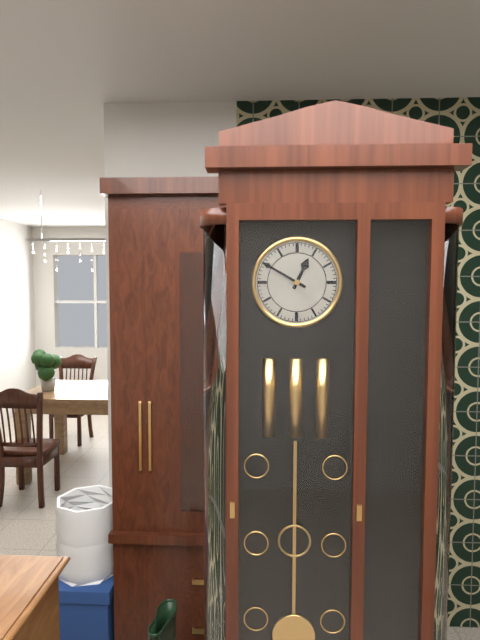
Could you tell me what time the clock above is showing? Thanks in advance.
12:50
